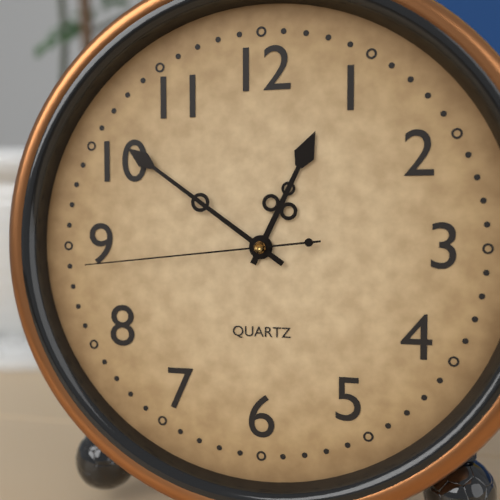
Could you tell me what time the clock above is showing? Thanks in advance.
12:51:44
